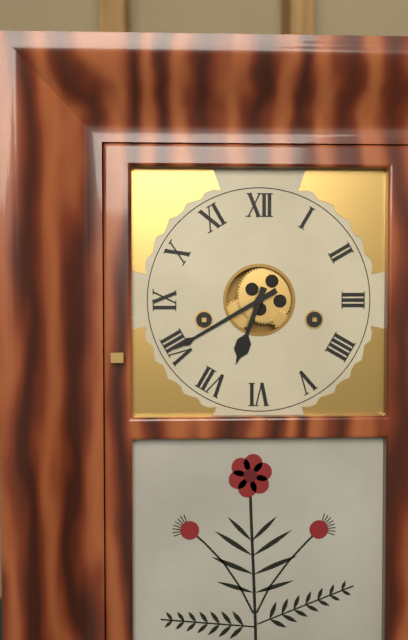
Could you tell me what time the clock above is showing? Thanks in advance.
6:40
